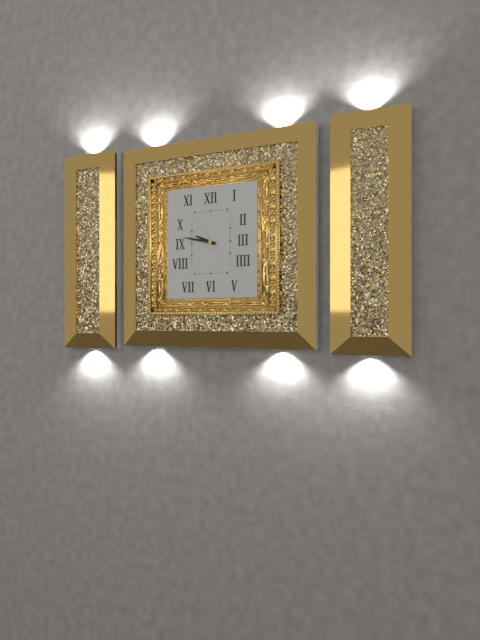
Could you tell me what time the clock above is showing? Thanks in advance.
9:47
